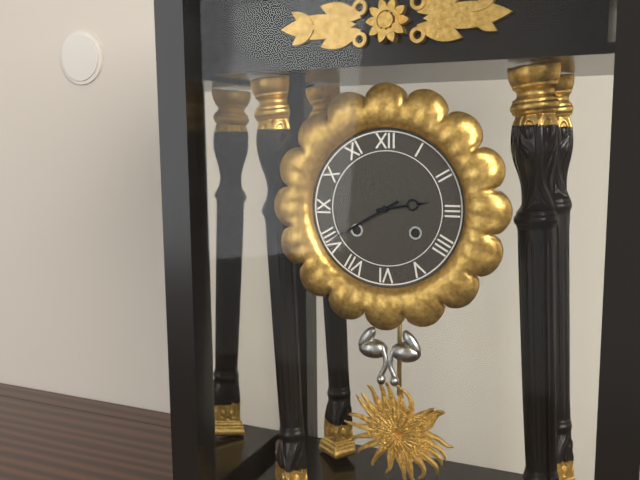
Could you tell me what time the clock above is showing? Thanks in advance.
2:40
